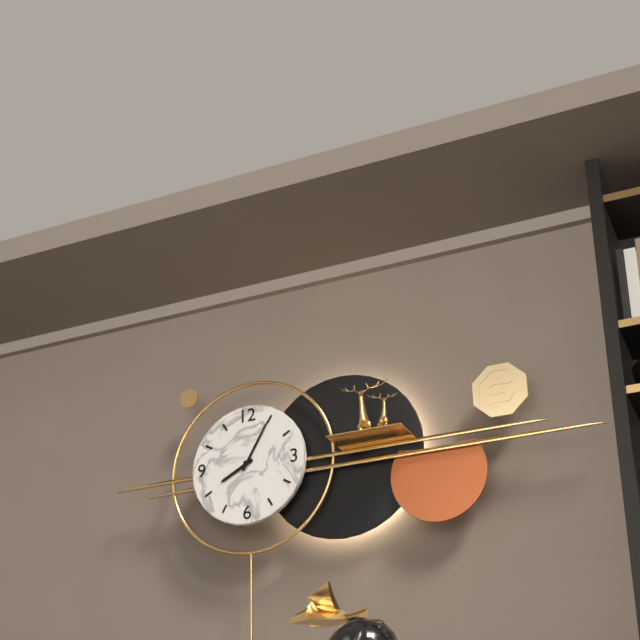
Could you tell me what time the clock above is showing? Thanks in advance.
8:05
